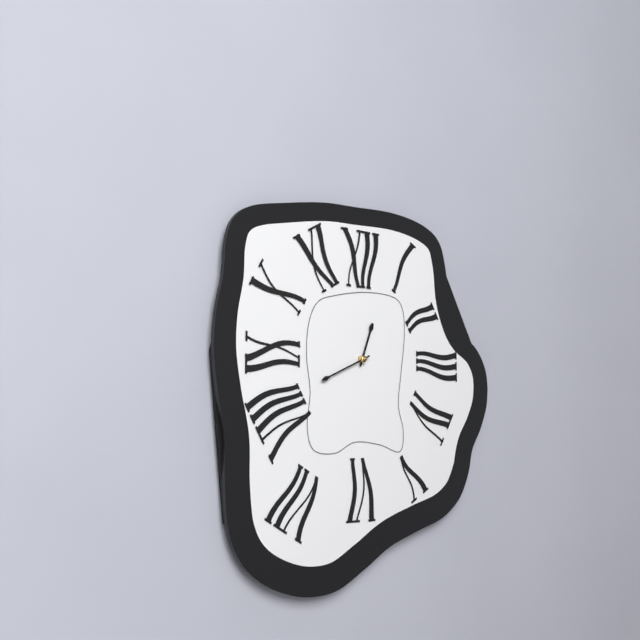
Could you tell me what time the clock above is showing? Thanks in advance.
12:41
